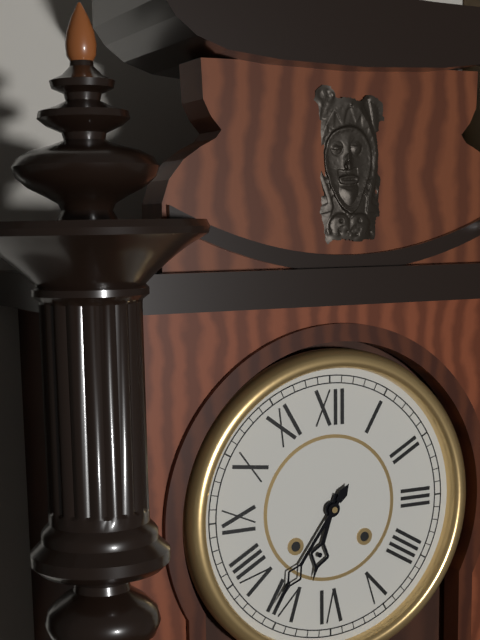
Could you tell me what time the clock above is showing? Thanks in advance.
6:36
